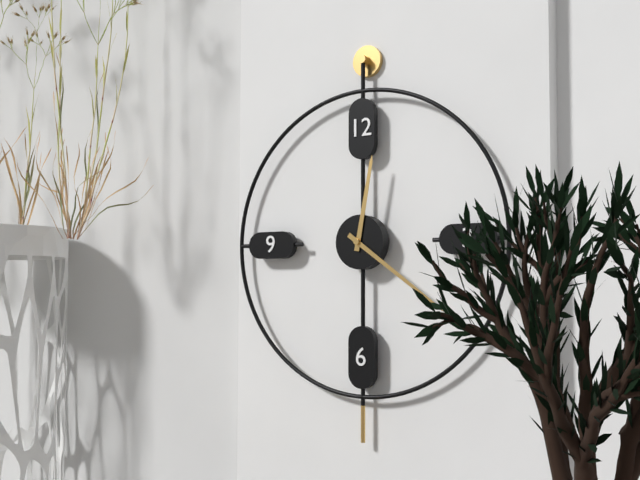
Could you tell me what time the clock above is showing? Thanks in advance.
12:21
